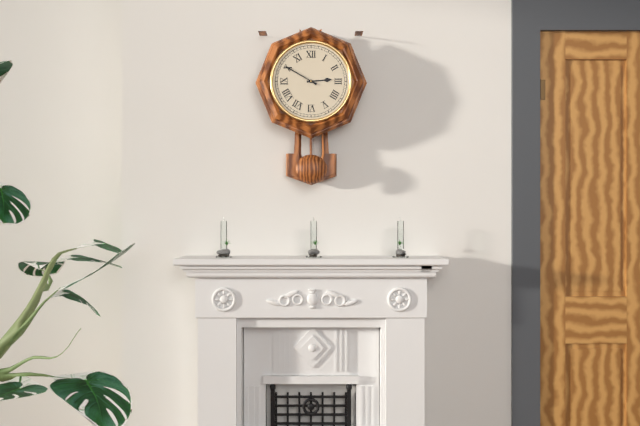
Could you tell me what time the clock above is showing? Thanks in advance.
2:50
